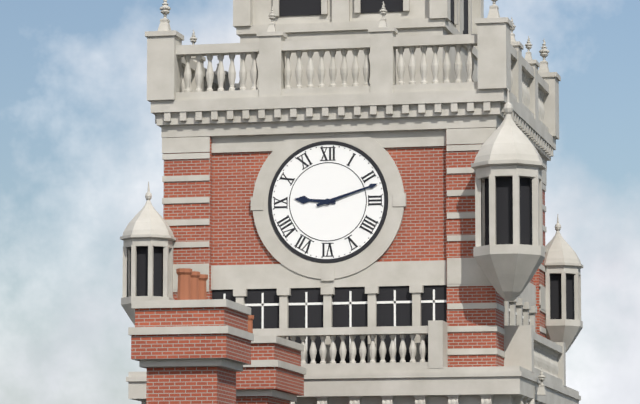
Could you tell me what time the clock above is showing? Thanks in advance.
9:12
